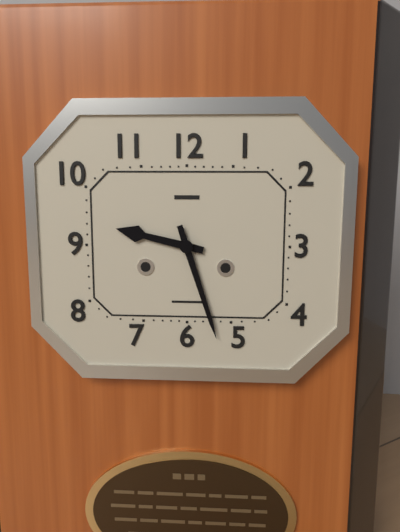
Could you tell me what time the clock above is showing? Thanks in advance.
9:27
